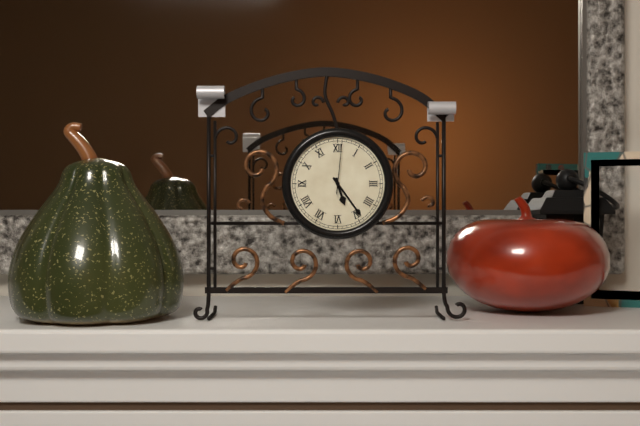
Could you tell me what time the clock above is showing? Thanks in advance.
5:24:01
